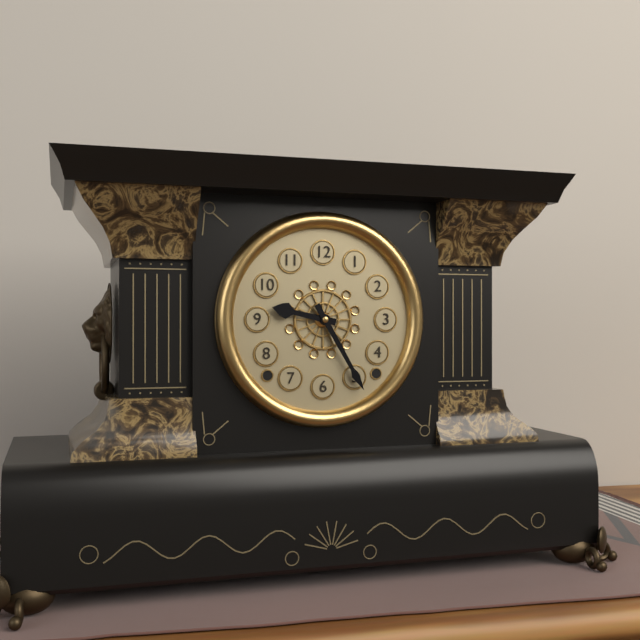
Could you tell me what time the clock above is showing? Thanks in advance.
9:25
